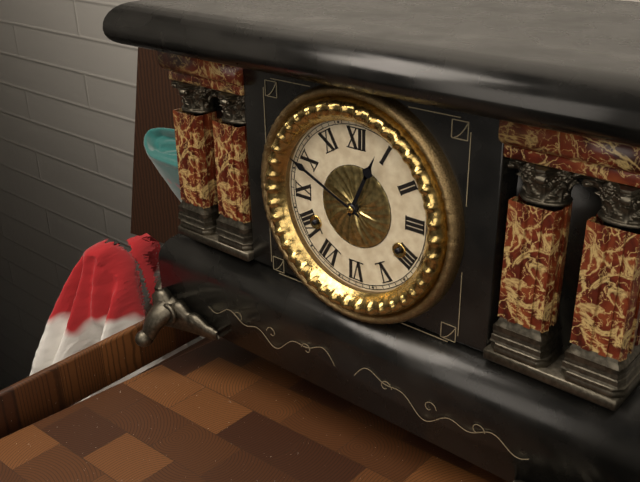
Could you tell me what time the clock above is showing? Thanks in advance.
12:49
